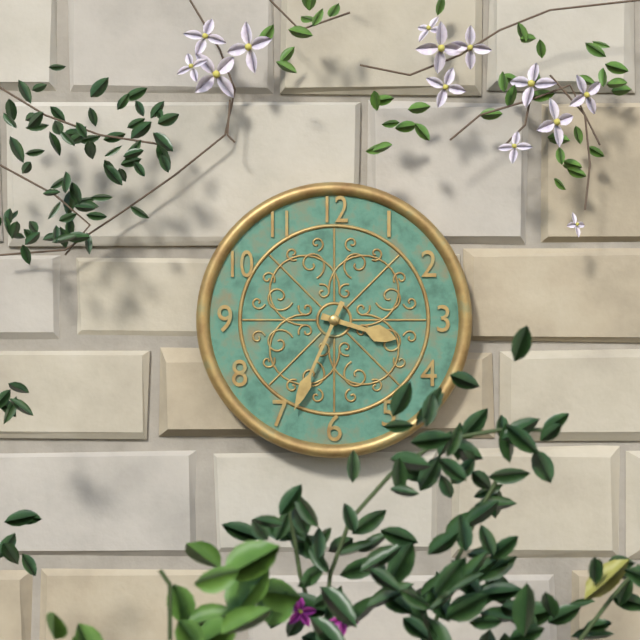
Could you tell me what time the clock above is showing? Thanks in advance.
3:34
